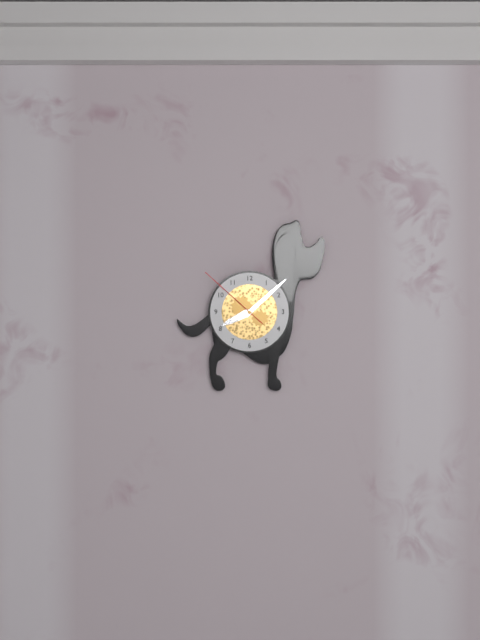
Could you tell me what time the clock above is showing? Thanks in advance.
8:08:52
